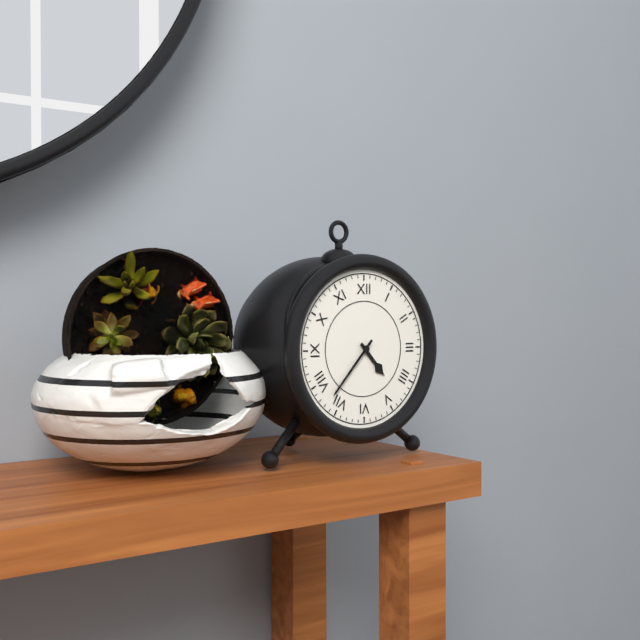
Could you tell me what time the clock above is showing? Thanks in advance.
4:37
